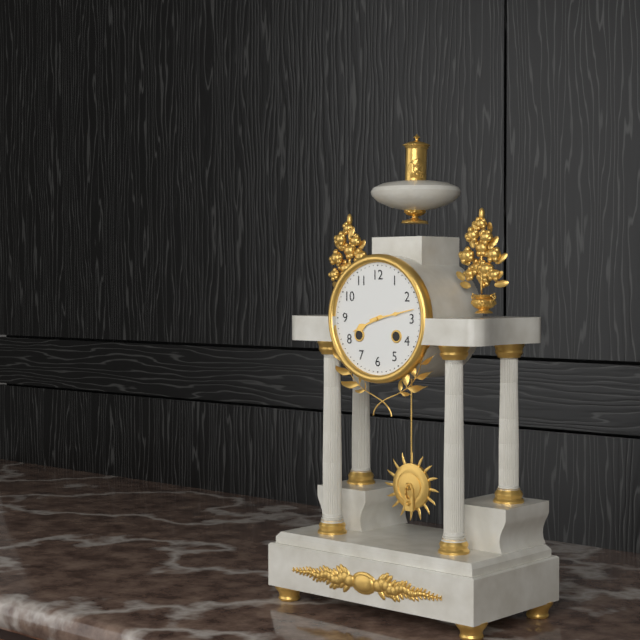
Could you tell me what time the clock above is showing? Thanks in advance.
8:13
